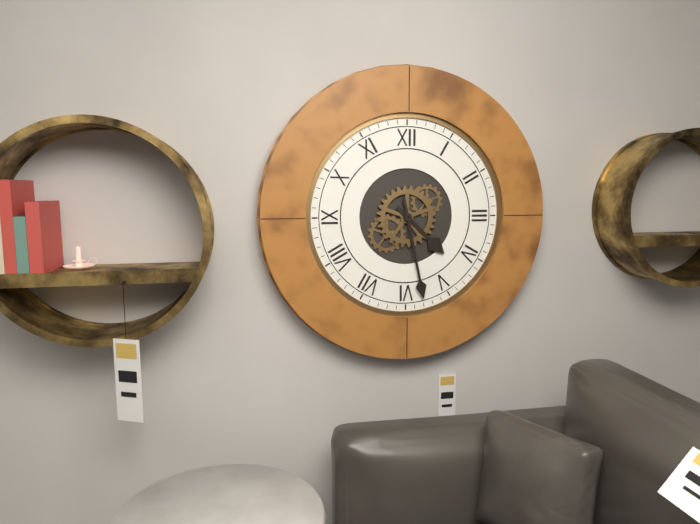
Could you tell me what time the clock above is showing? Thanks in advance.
4:28
